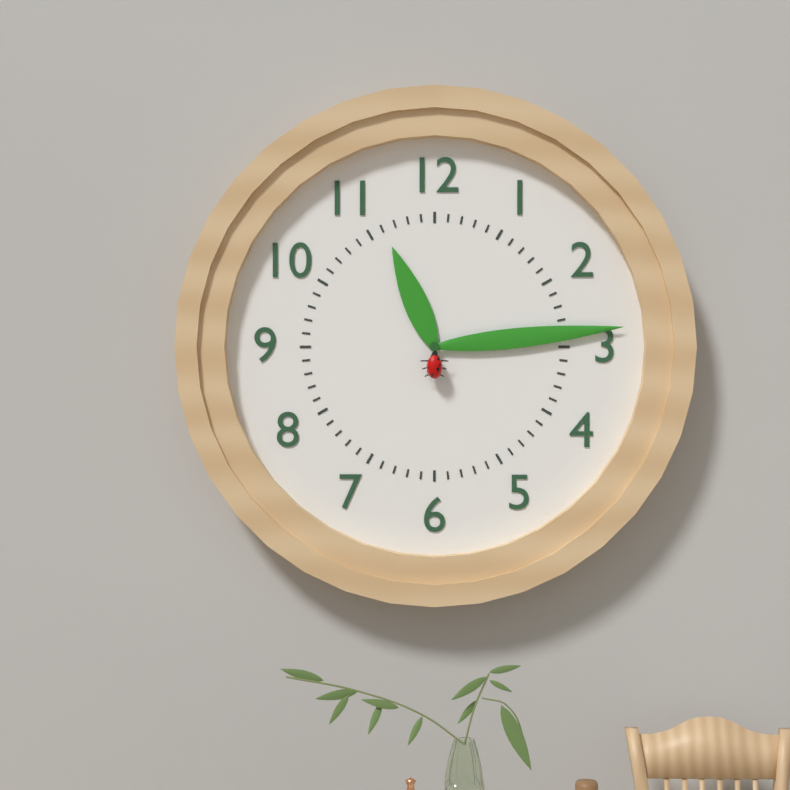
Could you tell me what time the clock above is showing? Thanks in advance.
11:14
